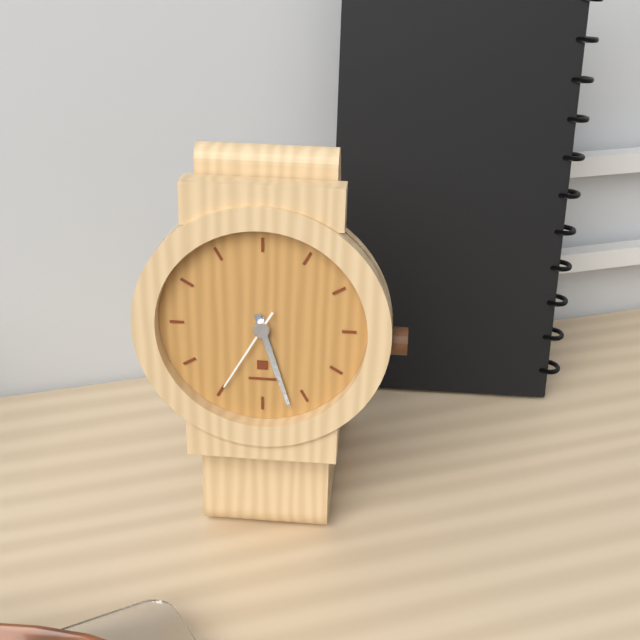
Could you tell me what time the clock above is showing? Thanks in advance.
5:27:35
